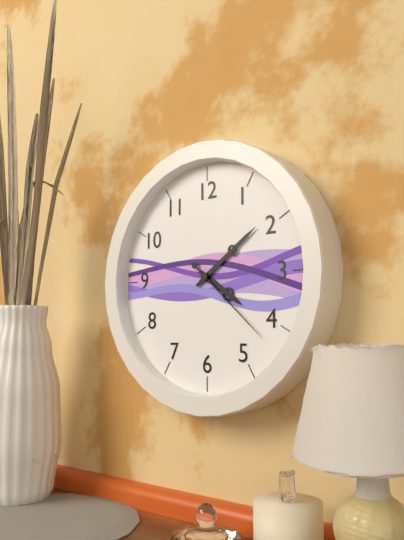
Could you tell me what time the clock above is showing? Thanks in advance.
4:09:22
